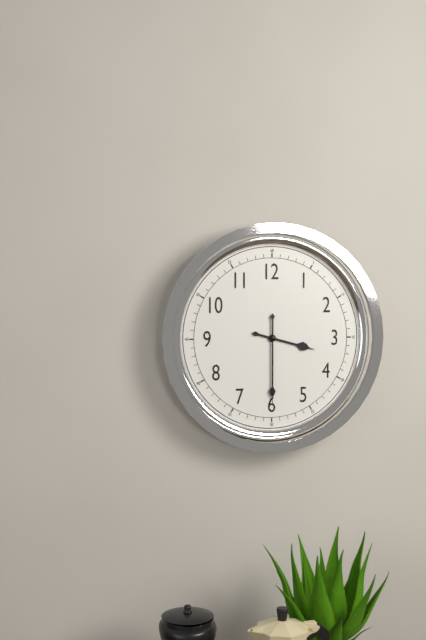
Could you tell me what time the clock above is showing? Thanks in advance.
3:30
